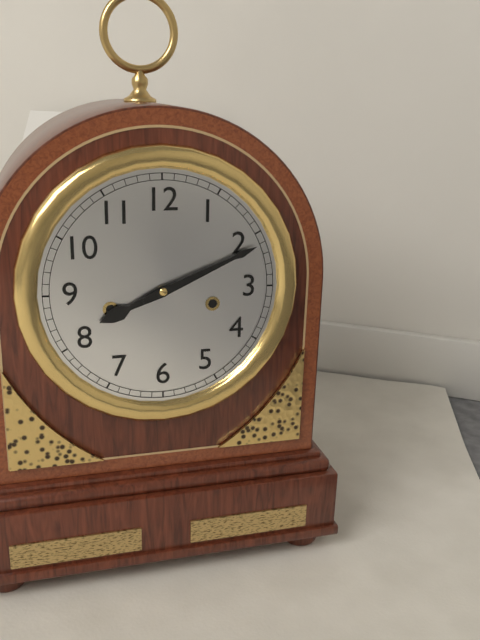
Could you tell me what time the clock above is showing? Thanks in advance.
8:11
